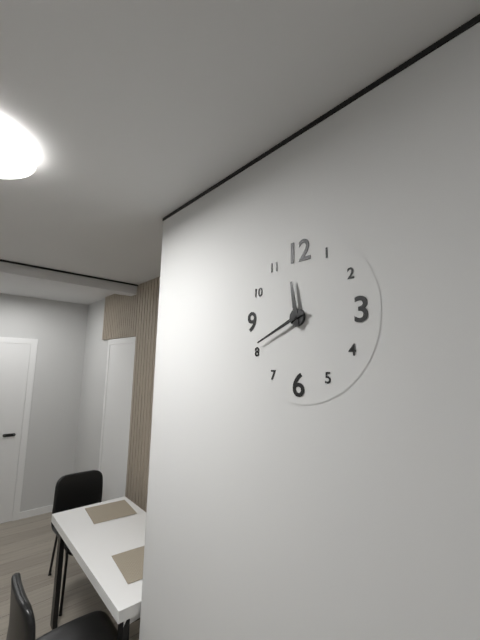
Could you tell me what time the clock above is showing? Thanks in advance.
11:41
